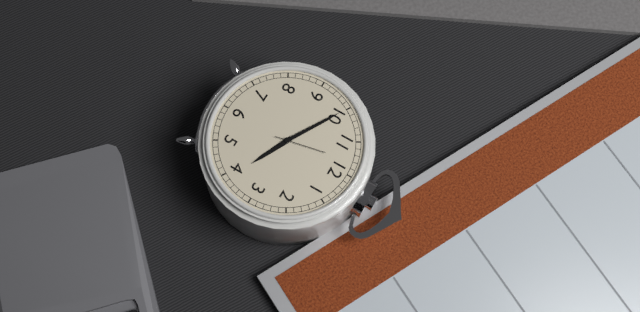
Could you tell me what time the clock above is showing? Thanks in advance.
3:50:58
